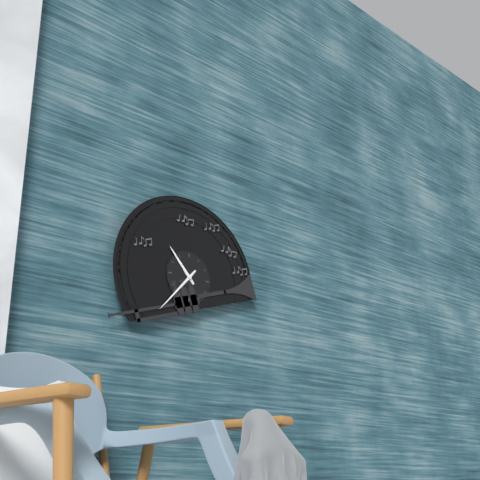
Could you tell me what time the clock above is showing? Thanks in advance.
10:37
